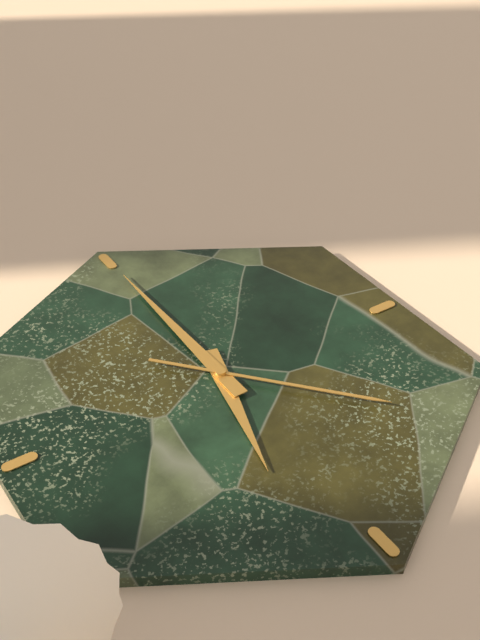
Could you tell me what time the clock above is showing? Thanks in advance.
12:30:53
